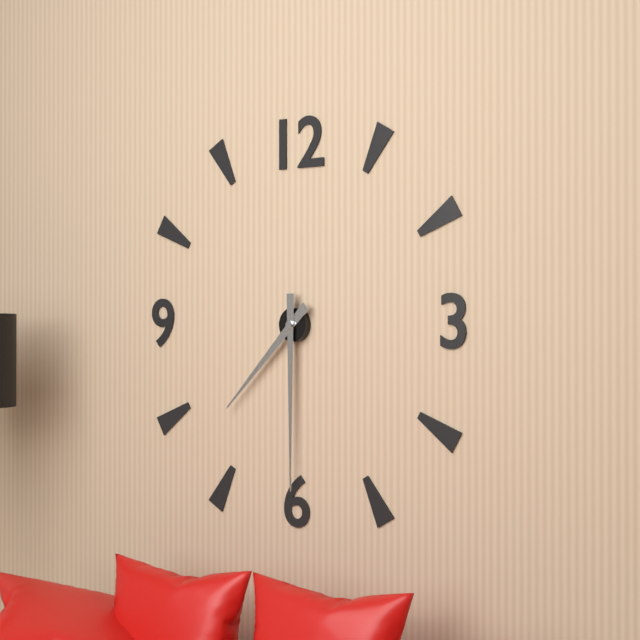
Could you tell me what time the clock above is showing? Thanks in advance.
7:30
